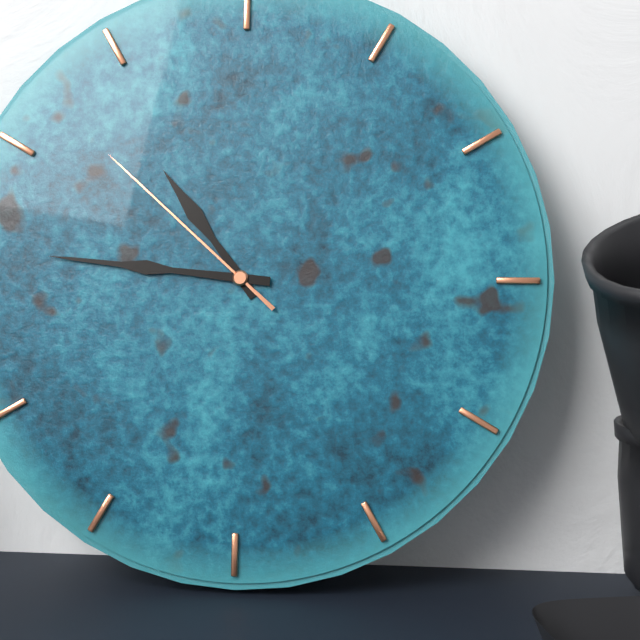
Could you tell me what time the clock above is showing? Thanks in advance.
10:46:52
